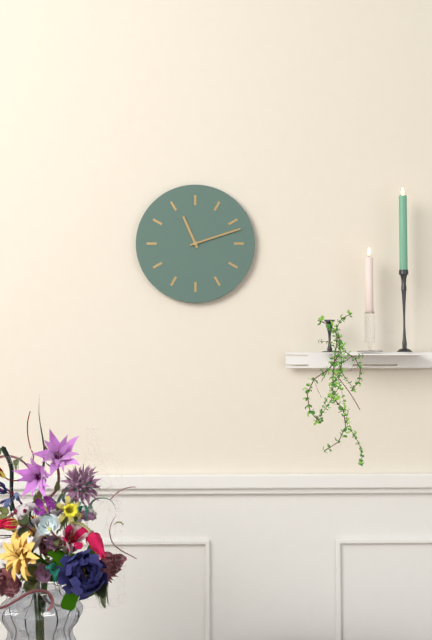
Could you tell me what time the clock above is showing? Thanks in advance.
11:12
